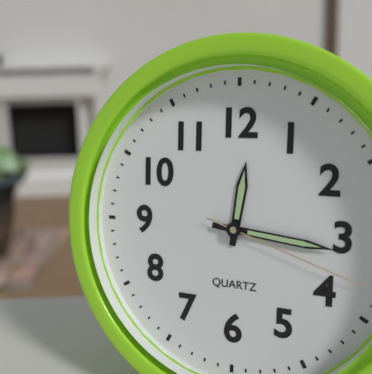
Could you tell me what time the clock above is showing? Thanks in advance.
12:16:18
